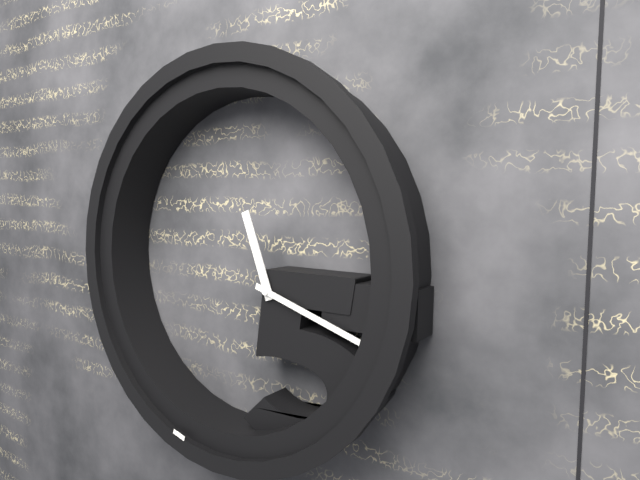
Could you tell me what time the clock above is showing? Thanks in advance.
11:18
